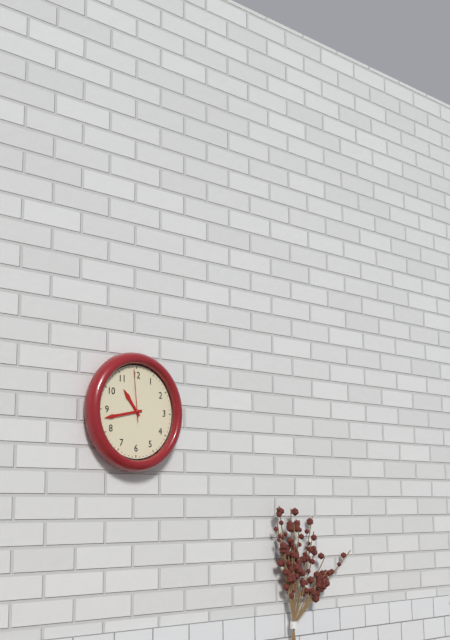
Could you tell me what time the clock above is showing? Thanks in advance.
10:43:59
